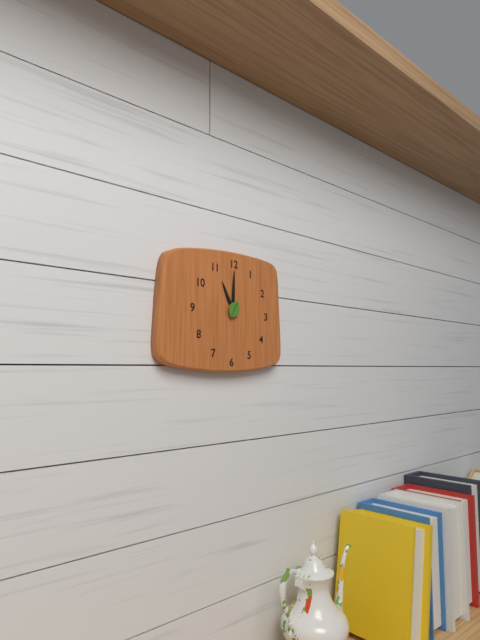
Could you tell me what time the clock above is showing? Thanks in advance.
11:00
